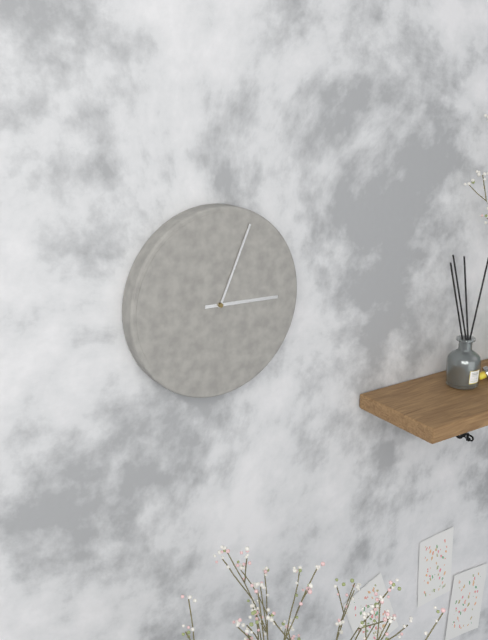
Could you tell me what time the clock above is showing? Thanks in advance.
3:04
